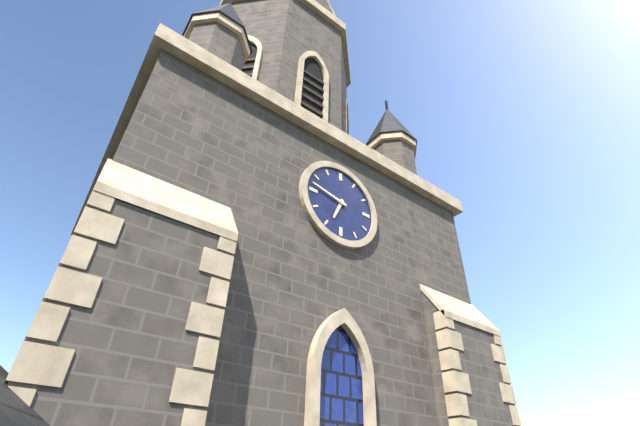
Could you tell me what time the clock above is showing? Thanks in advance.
6:47
